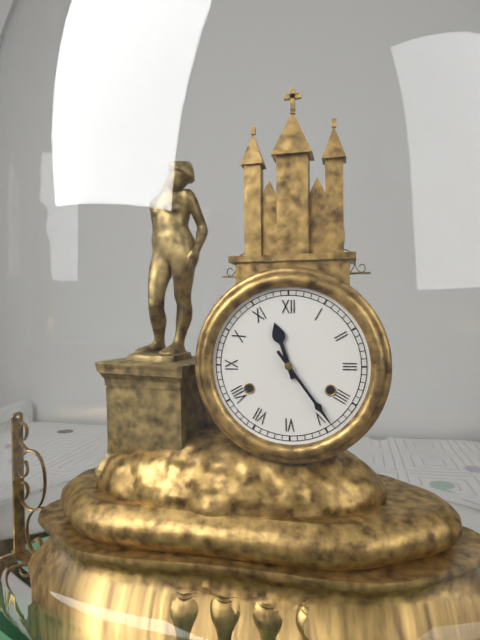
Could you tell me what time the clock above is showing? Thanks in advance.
11:24
